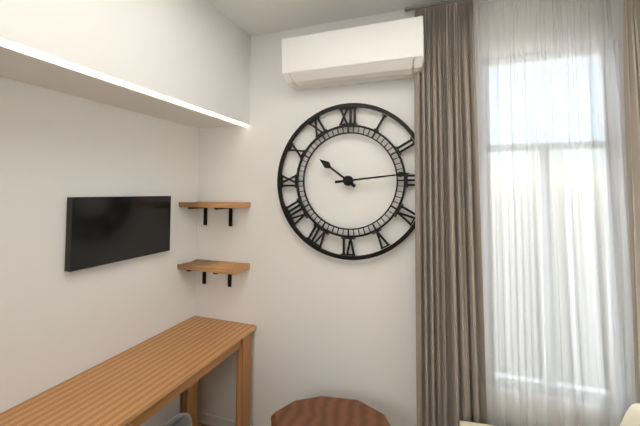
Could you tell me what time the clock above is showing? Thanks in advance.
10:14
